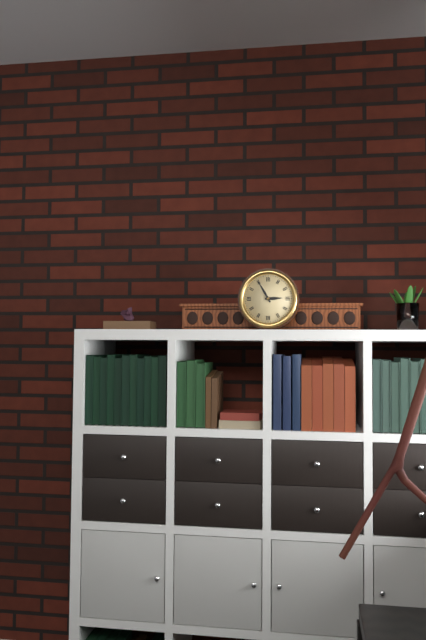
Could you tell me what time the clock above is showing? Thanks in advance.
2:55
